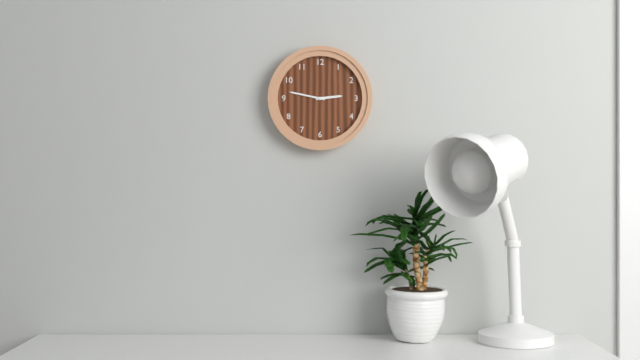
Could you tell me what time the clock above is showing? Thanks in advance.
2:47
